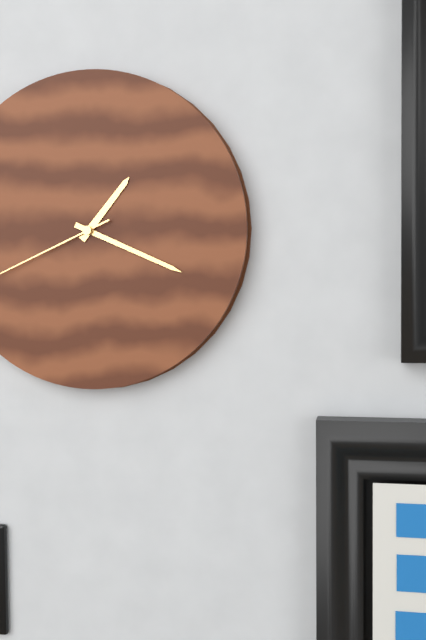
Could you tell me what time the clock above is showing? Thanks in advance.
1:19
